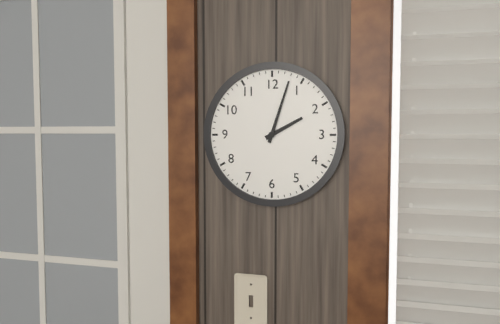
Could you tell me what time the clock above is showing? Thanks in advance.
2:03
